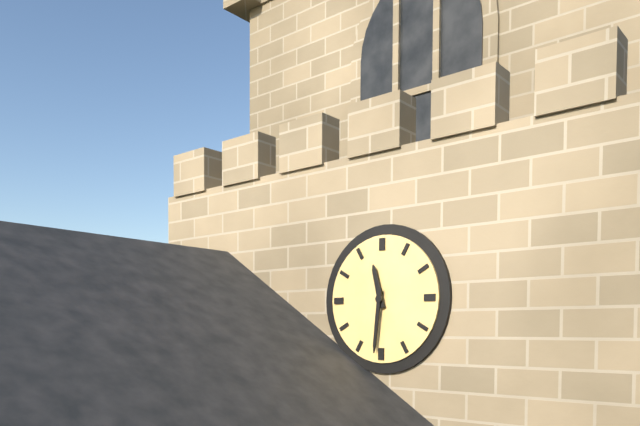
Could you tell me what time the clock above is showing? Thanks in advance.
11:31
